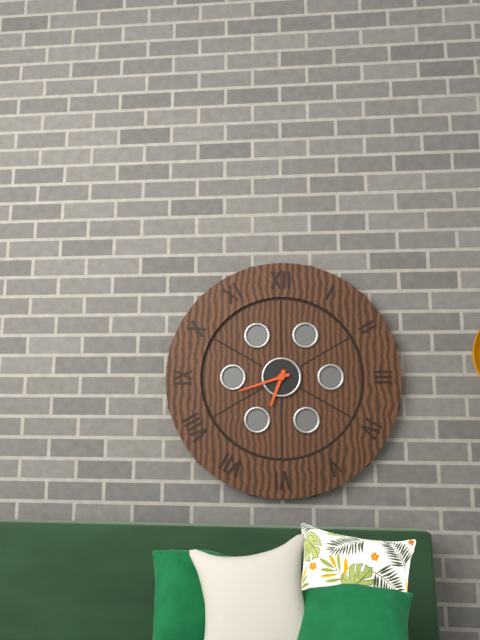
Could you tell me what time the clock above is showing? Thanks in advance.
6:42
